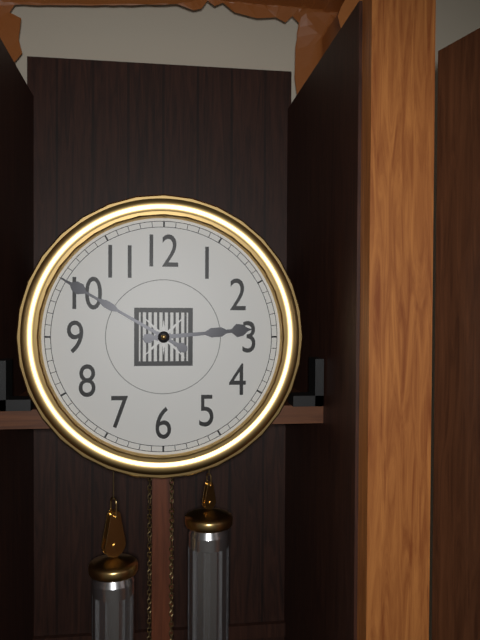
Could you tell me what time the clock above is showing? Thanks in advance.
2:50
